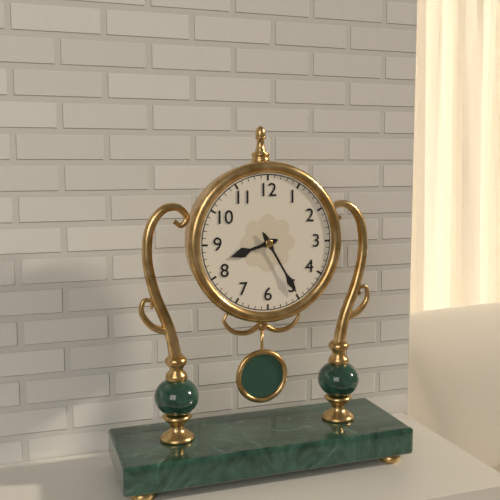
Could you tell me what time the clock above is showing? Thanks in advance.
8:25
